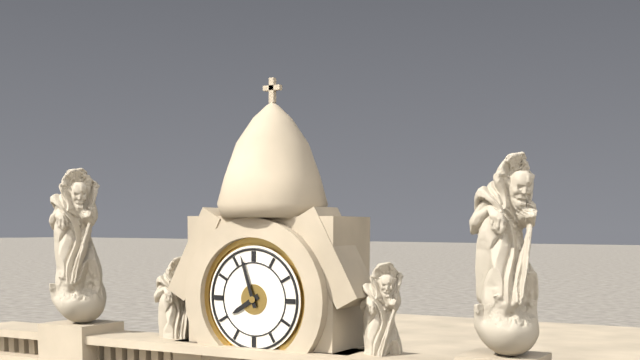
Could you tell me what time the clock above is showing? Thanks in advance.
7:57
